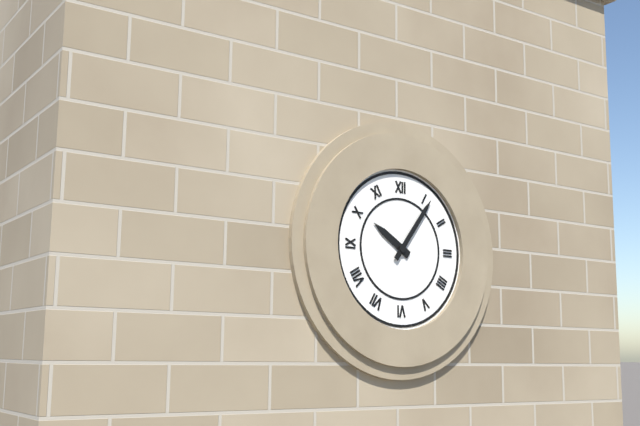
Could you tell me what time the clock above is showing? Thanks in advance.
10:06
